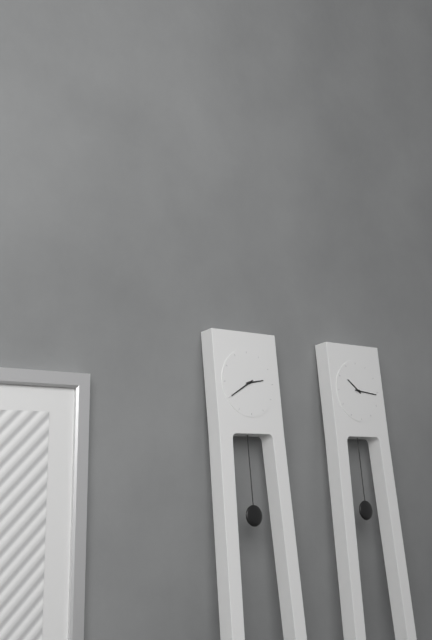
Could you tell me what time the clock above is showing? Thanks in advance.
2:40
